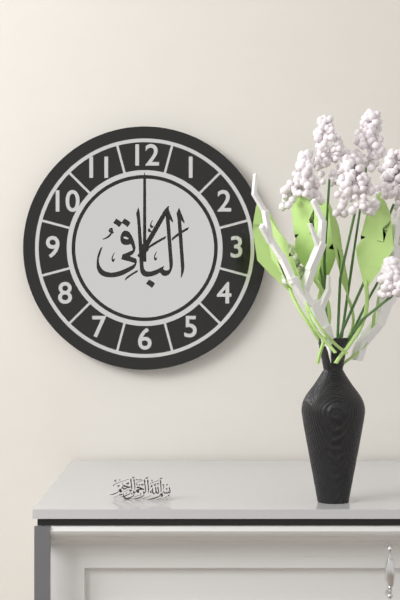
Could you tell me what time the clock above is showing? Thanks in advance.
1:00
